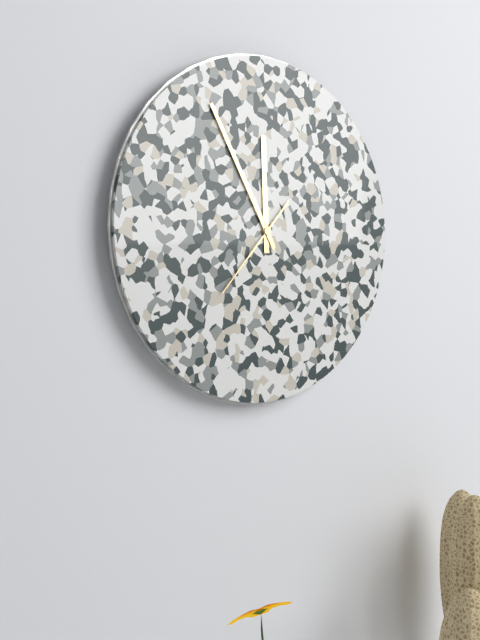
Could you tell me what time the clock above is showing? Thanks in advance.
11:55:37
